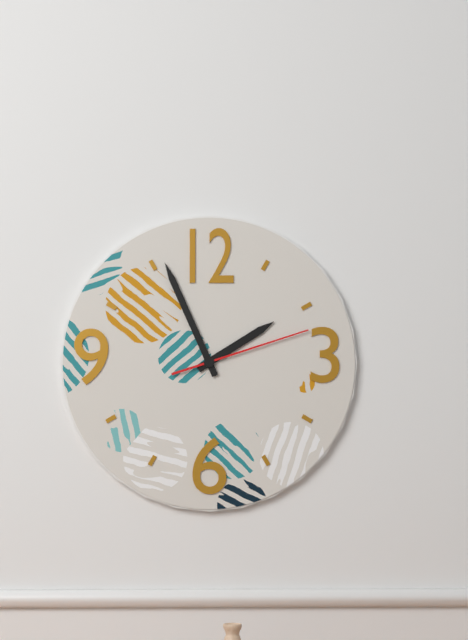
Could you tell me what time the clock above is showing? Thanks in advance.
1:56:12
